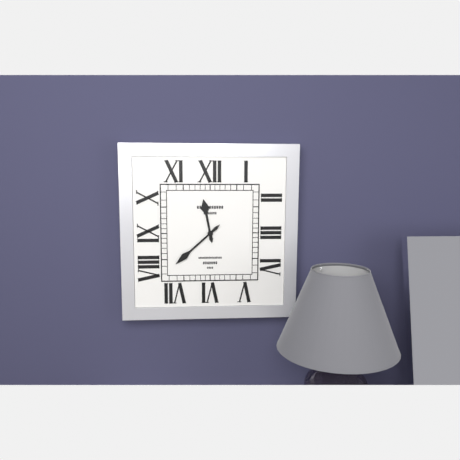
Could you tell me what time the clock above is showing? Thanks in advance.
11:38
